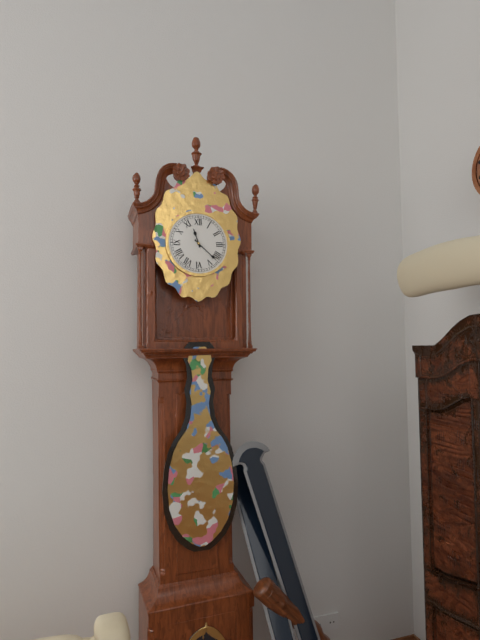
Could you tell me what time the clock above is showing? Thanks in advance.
11:22
